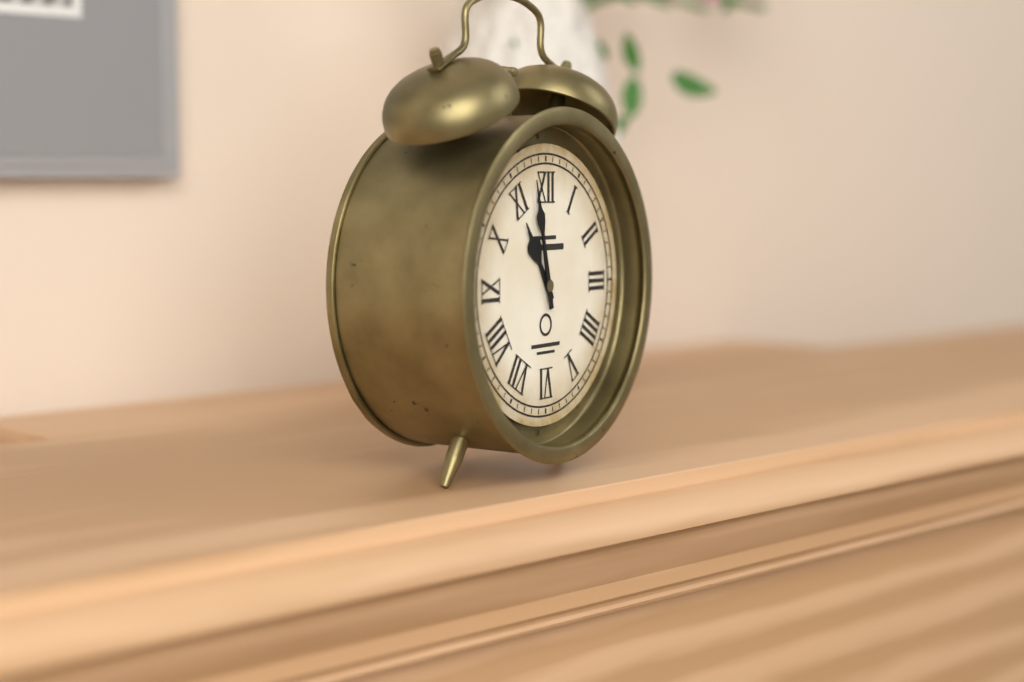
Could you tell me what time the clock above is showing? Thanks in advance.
10:58
